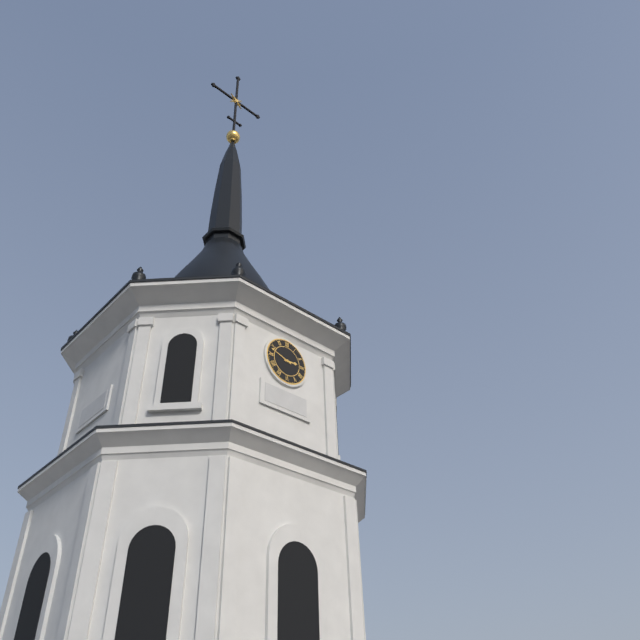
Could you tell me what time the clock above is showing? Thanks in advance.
2:48
